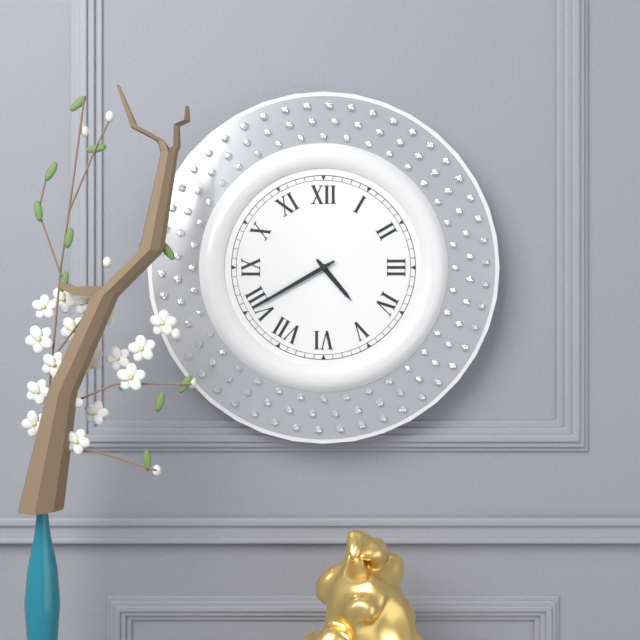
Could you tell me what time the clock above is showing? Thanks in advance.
4:40
